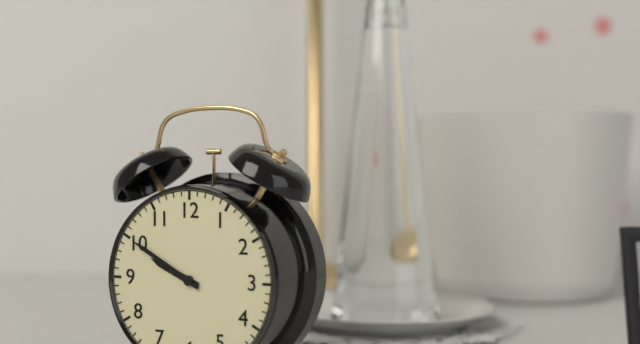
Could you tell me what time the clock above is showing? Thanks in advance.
9:50
